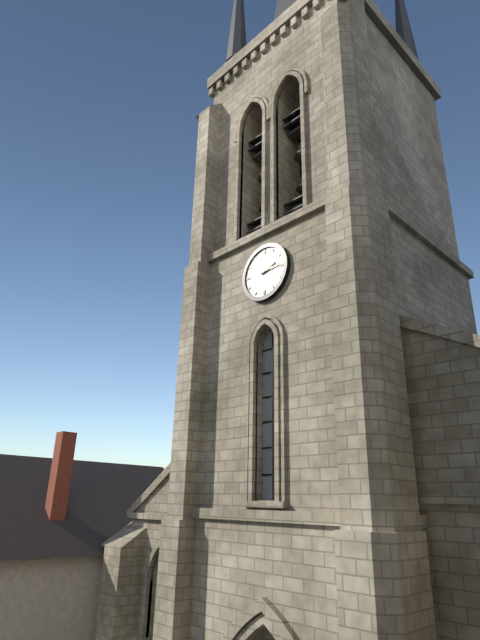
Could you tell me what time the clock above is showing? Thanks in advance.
2:14
